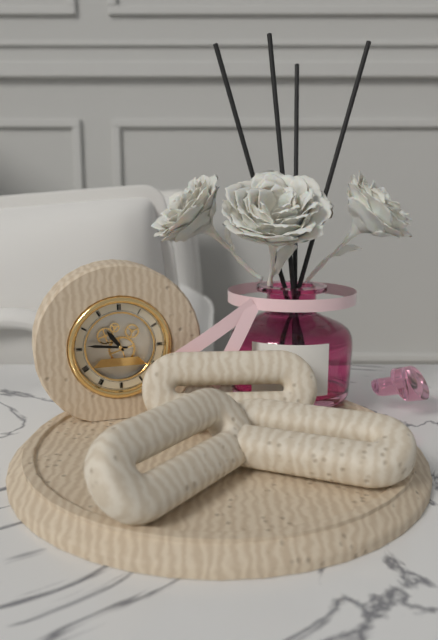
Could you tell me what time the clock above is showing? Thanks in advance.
10:46
